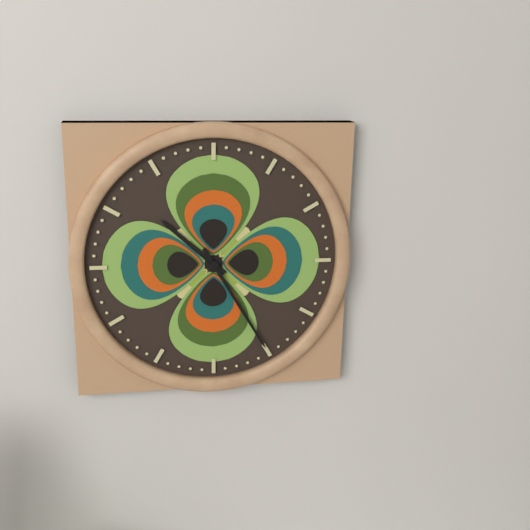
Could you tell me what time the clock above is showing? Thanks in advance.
10:25
